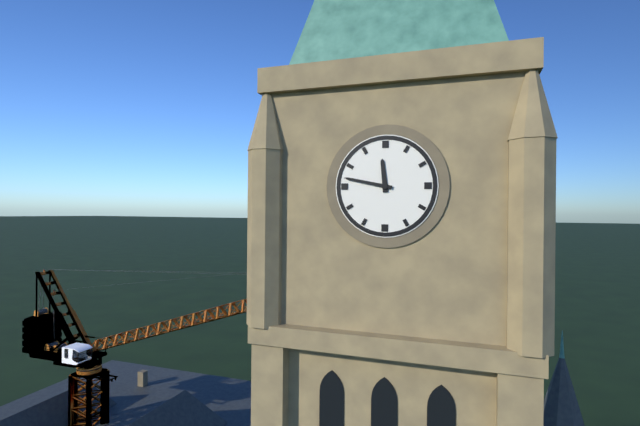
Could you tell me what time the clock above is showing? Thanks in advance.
11:47
